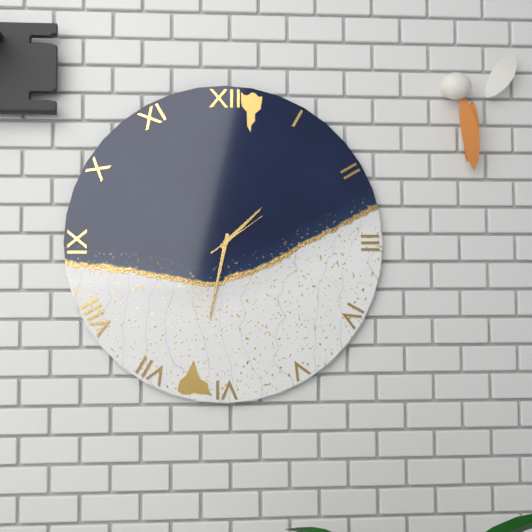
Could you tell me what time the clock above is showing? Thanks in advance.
1:32:09
